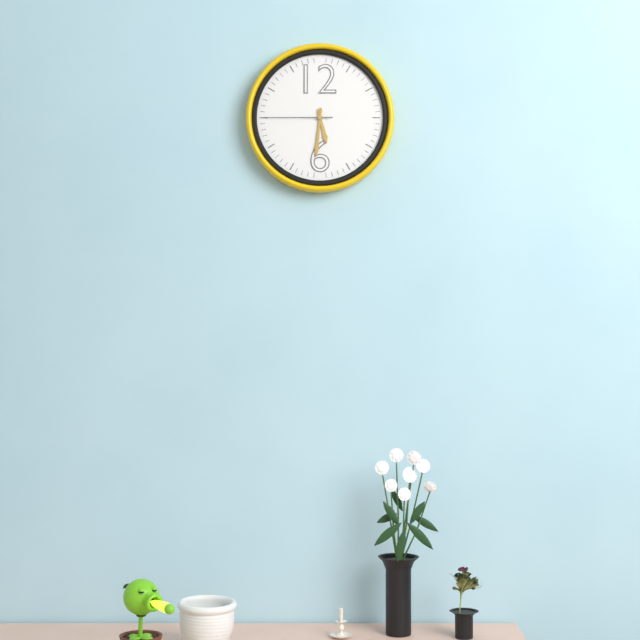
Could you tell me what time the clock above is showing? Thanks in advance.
5:31:45
